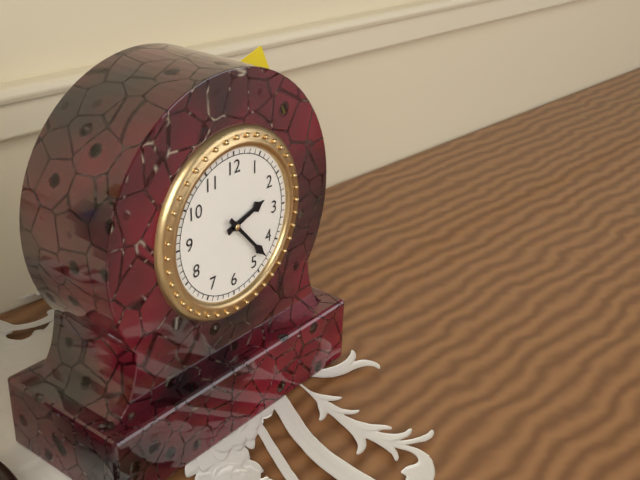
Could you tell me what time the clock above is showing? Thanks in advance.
2:23
